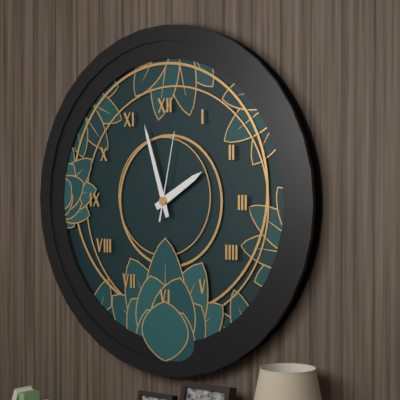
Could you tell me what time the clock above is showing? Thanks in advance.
1:57:02
